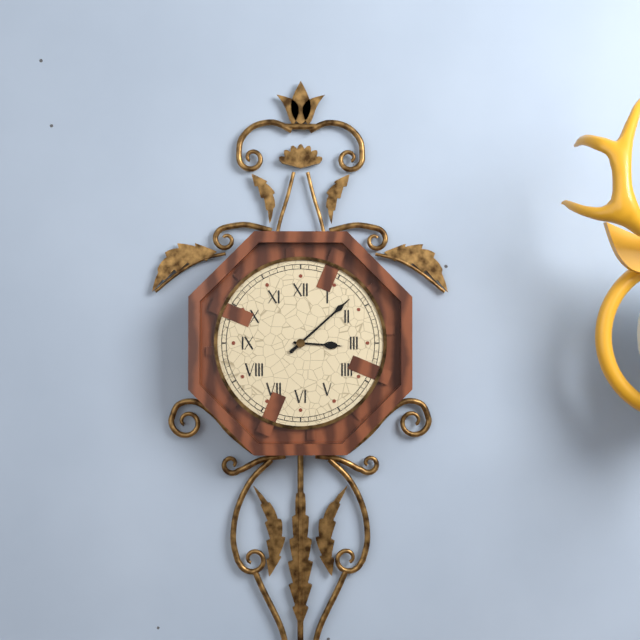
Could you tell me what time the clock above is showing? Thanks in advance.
3:08
